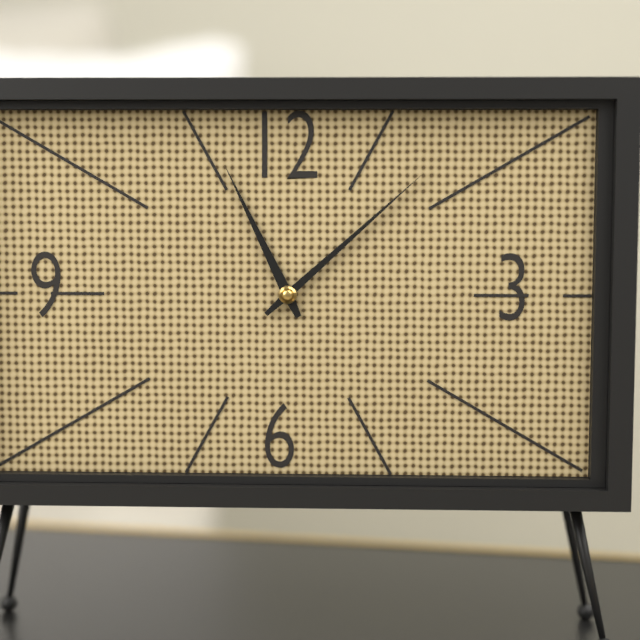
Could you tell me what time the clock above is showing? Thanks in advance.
11:08
